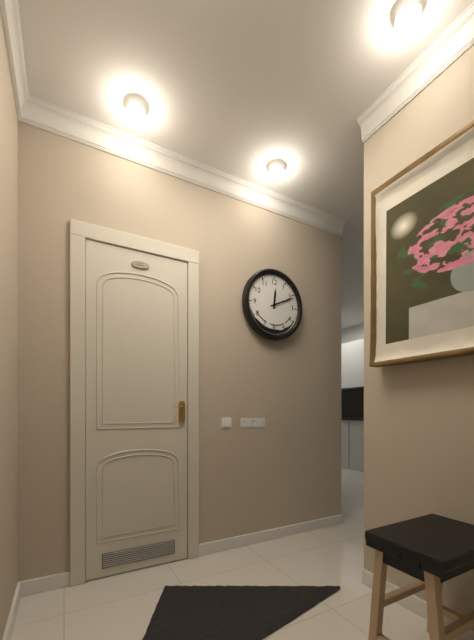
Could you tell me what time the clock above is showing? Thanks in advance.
12:11
